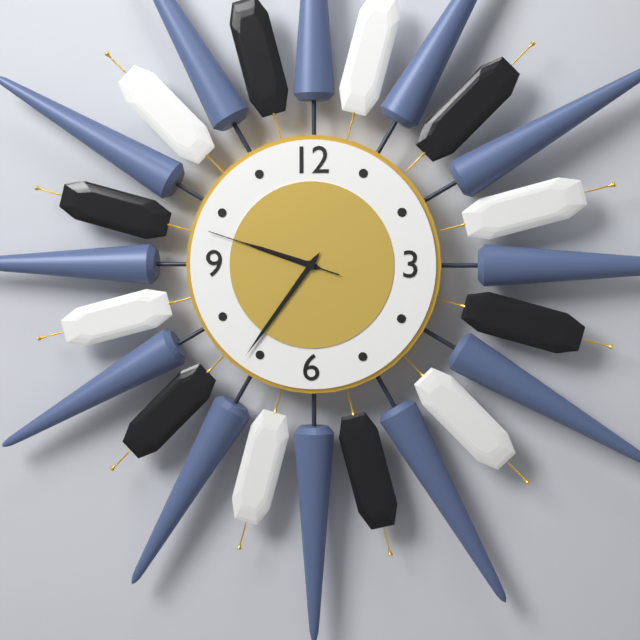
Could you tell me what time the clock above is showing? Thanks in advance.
9:36:48
